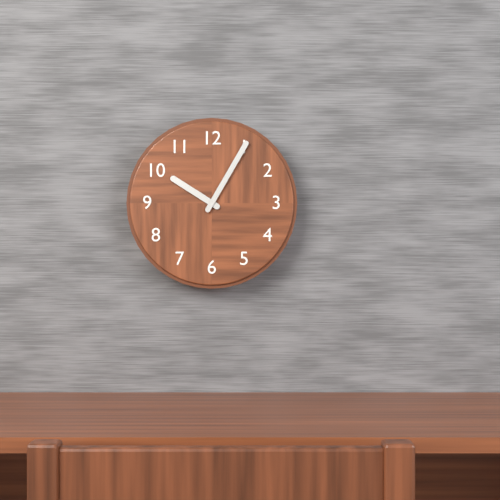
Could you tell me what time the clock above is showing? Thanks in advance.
10:05
